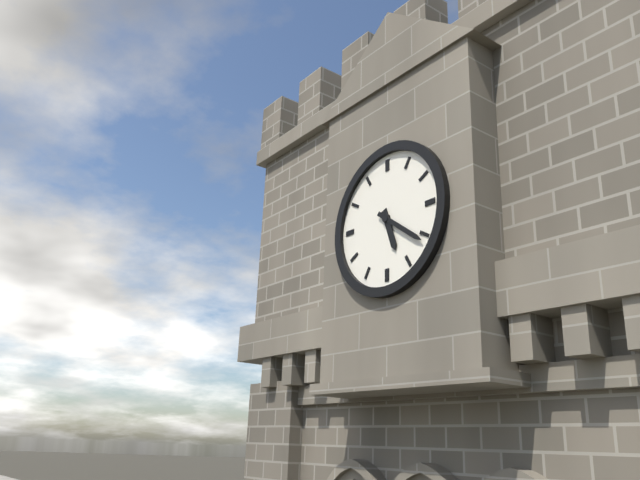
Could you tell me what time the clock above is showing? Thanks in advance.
5:21
